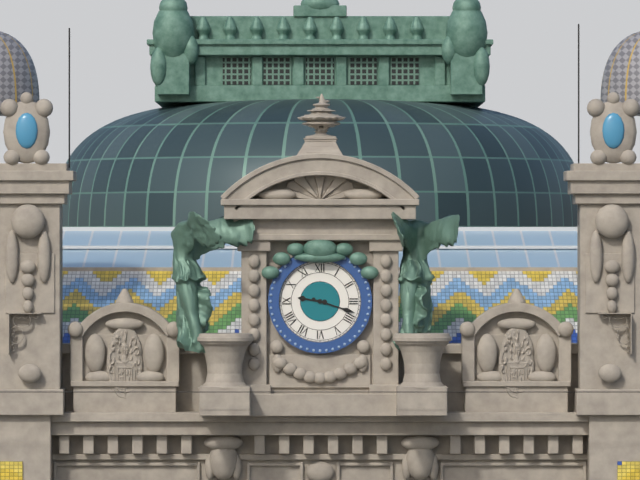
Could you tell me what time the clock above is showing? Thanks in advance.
9:18
